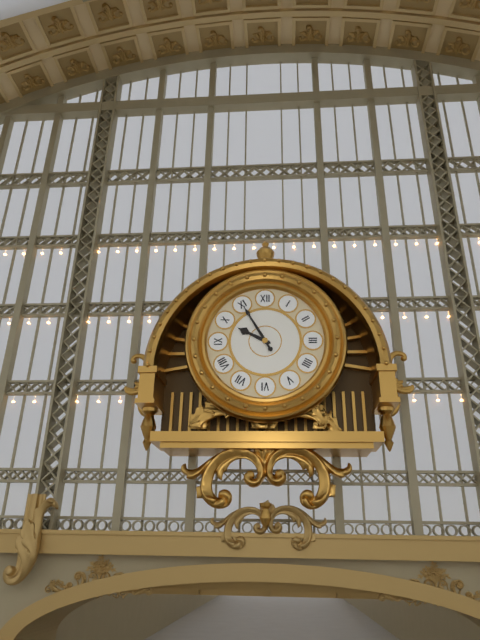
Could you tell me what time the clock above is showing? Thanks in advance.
9:55
